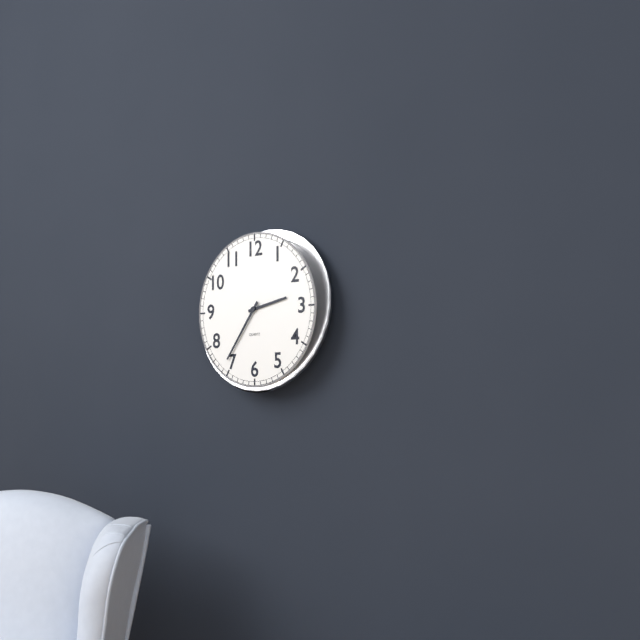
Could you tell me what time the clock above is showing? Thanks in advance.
2:36
